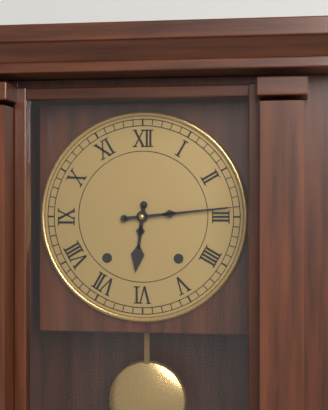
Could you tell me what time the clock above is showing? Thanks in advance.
6:14
